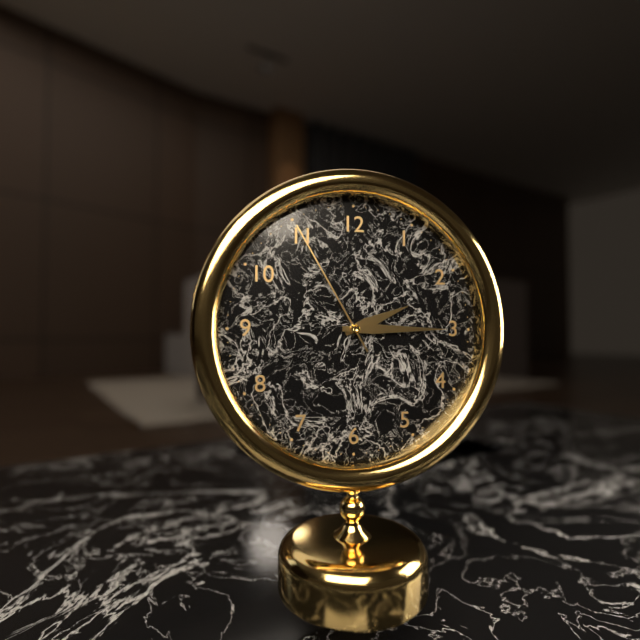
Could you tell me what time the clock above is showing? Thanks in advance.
2:15:55
